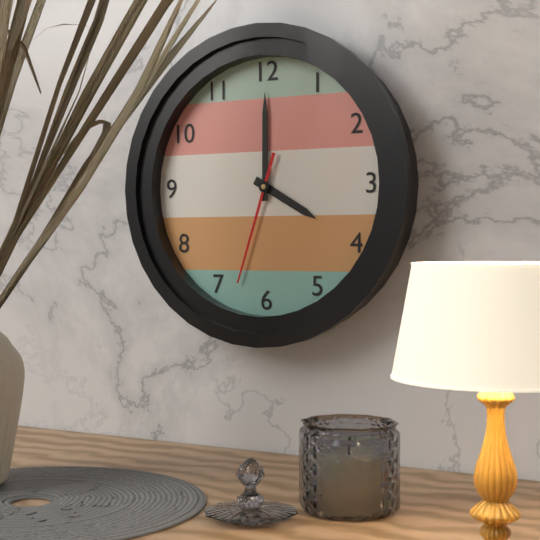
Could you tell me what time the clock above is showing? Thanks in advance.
4:00:33
